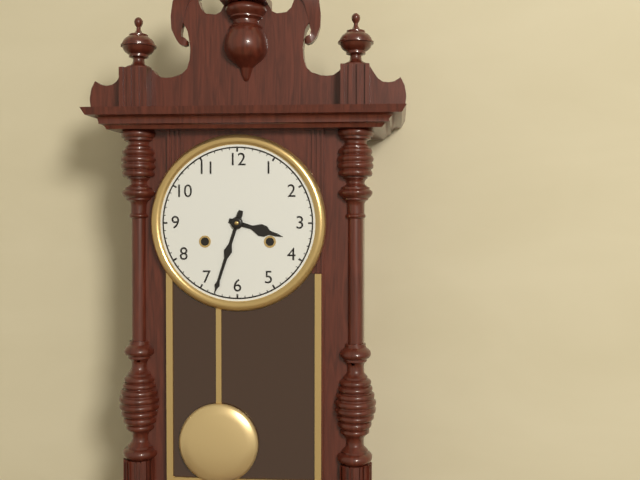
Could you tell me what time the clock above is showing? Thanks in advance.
3:33
